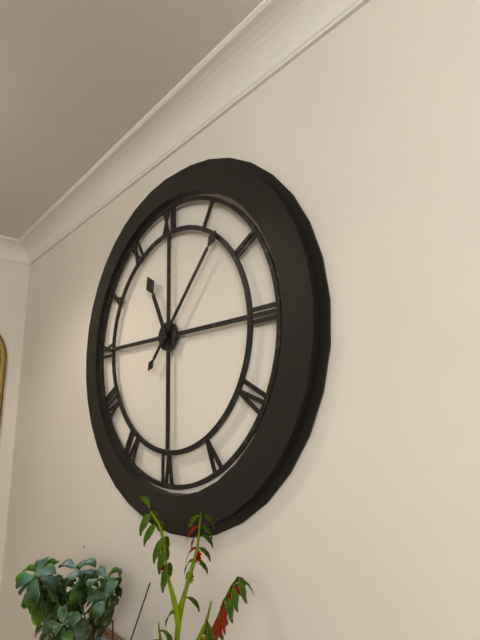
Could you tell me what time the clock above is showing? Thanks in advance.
11:07
